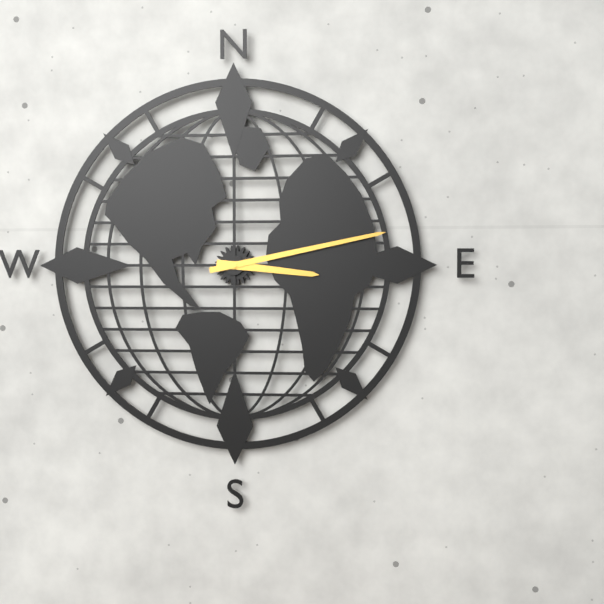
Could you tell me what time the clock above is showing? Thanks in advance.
3:13
